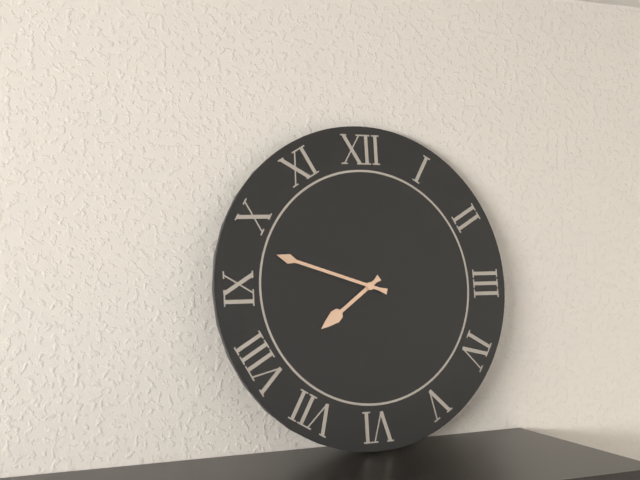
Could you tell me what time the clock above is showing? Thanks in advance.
7:48
